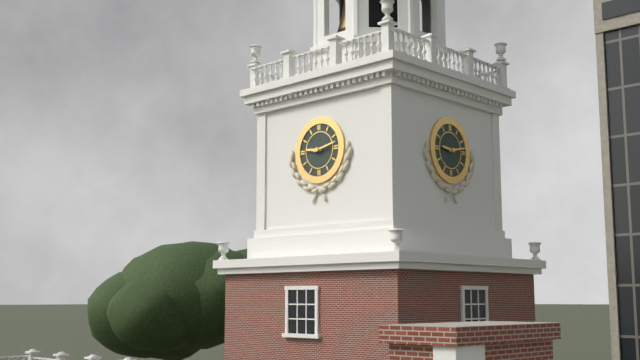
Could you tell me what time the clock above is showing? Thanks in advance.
9:13
